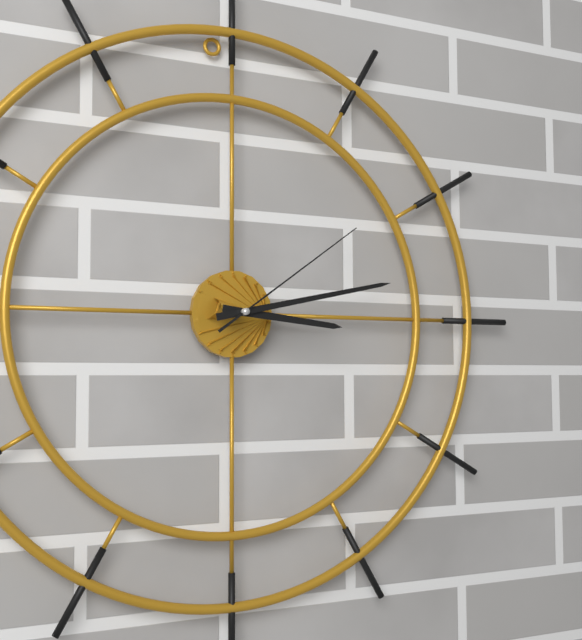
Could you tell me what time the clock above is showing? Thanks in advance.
3:13:09
